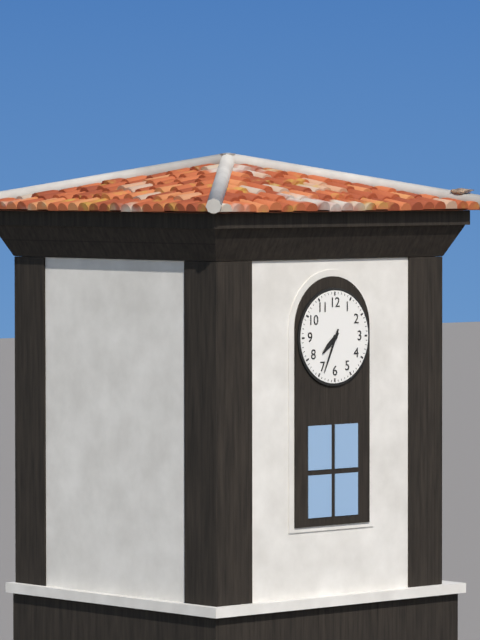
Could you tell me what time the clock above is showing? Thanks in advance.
7:34
